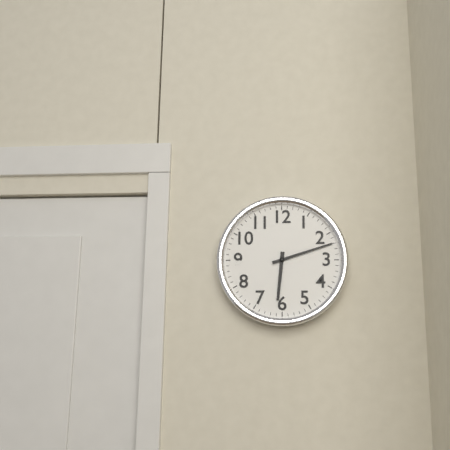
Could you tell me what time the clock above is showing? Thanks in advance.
6:12
